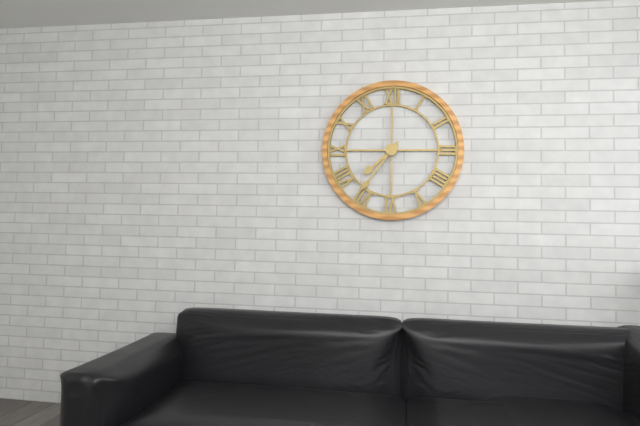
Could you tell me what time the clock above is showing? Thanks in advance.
7:36
